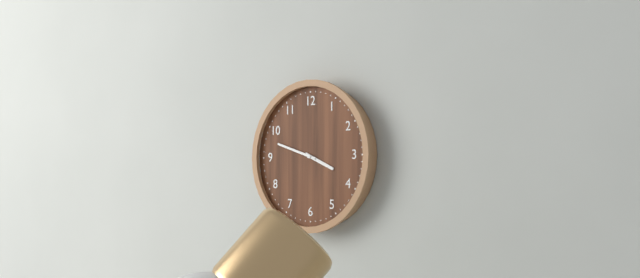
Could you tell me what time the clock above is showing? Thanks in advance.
3:48
